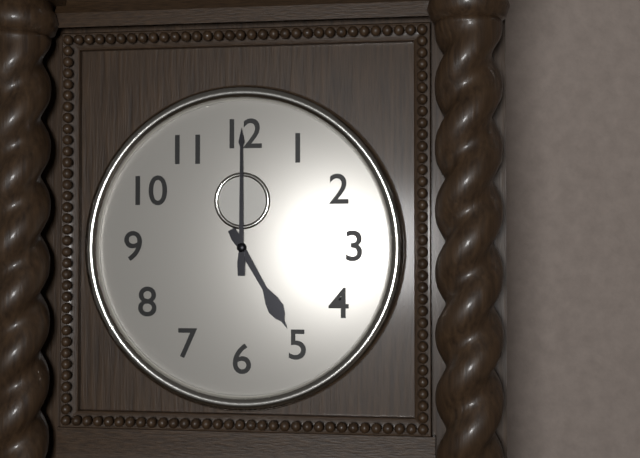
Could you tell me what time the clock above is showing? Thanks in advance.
5:00
